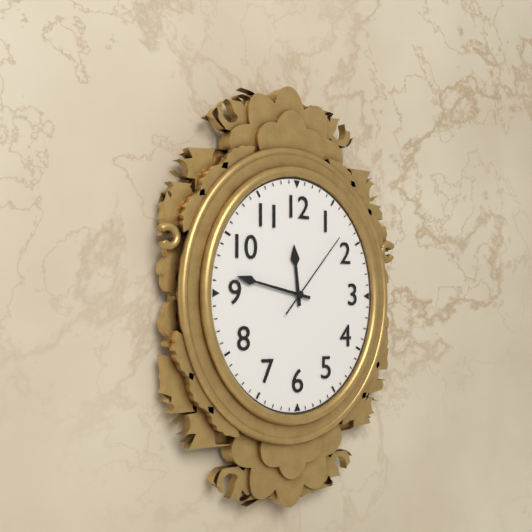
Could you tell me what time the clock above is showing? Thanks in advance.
11:47:07
